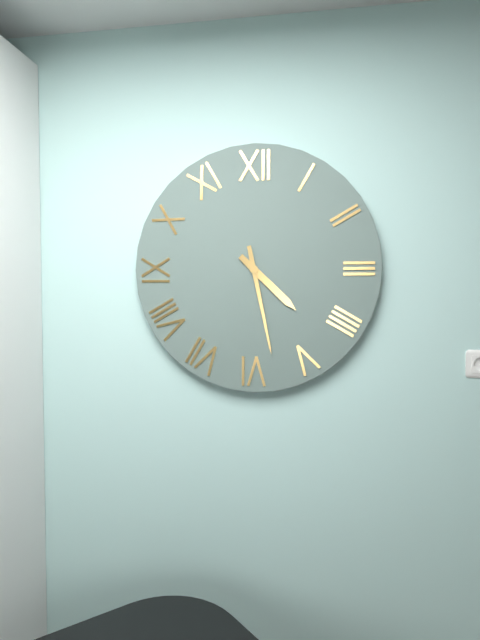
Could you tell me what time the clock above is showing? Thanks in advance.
4:28
